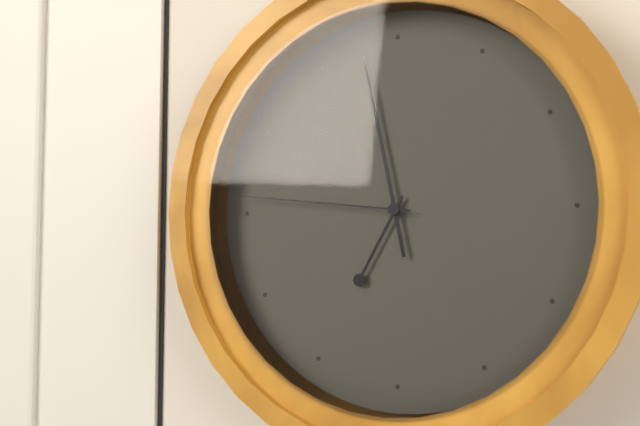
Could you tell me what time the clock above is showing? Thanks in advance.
6:58:46
